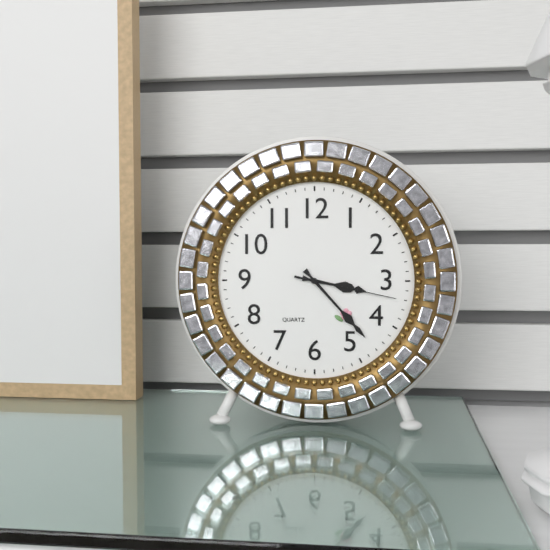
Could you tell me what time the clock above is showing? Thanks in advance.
3:23:17
